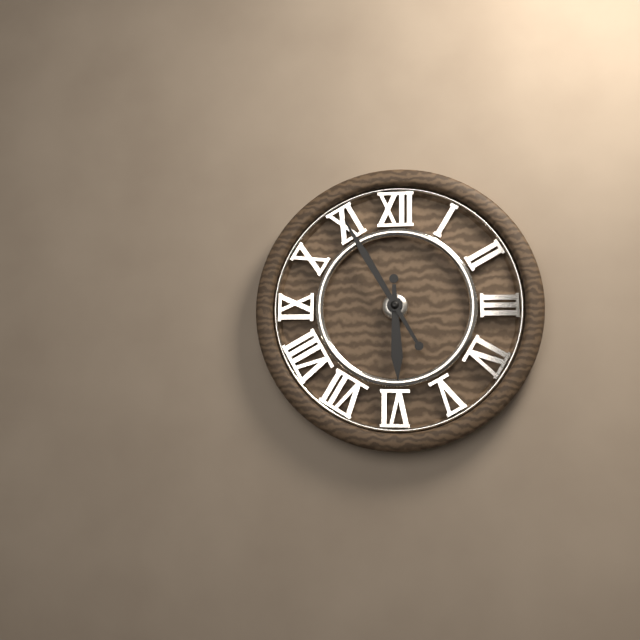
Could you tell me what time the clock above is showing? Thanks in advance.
5:55
